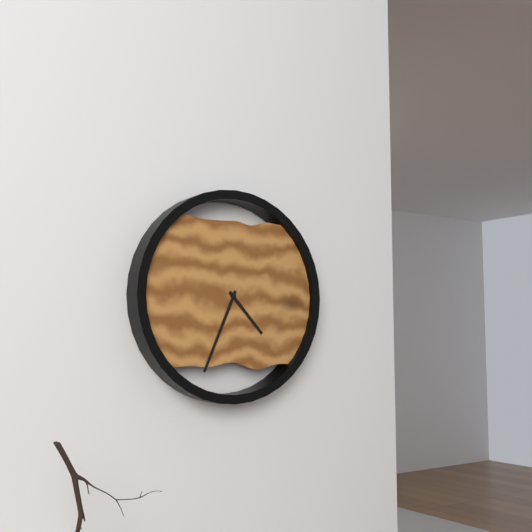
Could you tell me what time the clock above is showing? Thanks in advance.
4:34
